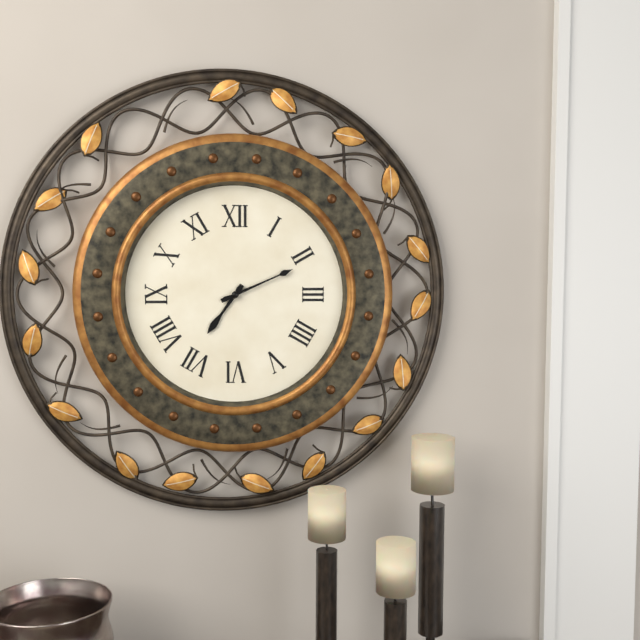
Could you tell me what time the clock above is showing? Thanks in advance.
7:11
